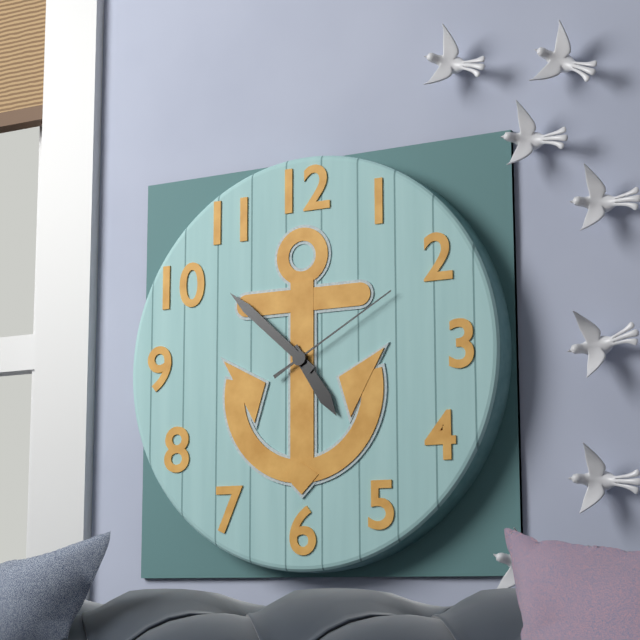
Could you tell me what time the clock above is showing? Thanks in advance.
4:52:10
